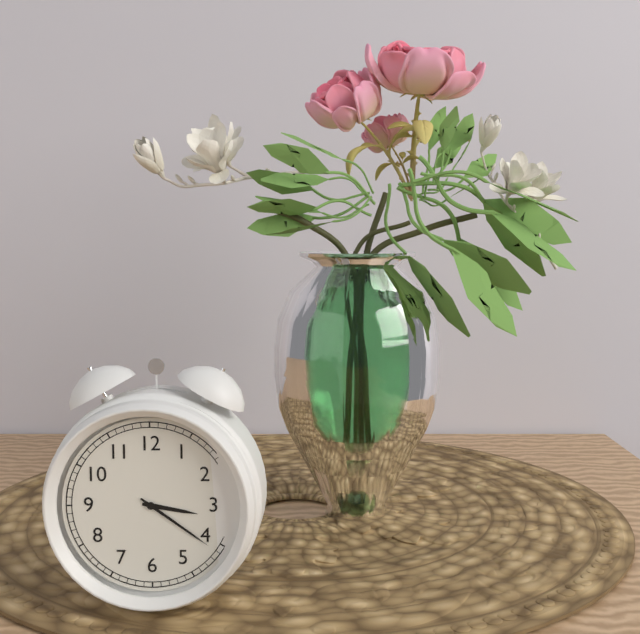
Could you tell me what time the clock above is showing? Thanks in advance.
3:21
